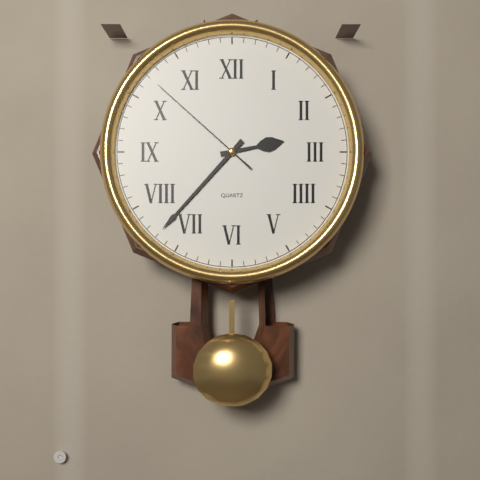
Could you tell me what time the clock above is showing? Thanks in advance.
2:37:52
